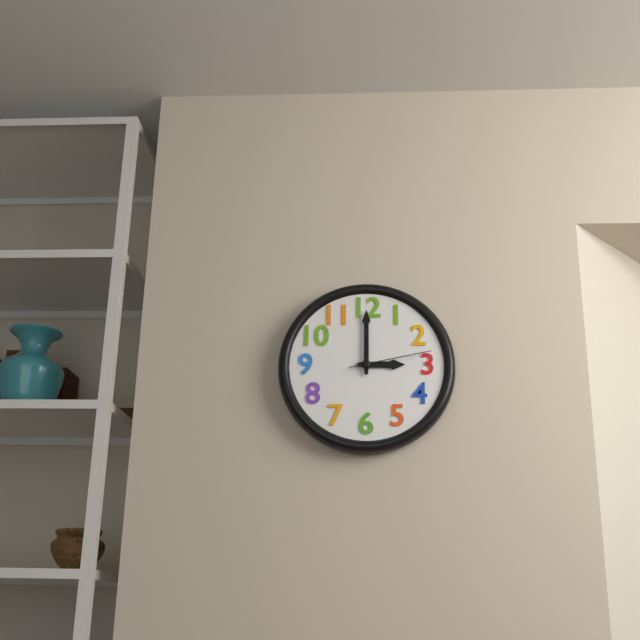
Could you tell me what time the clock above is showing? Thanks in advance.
3:00:13
